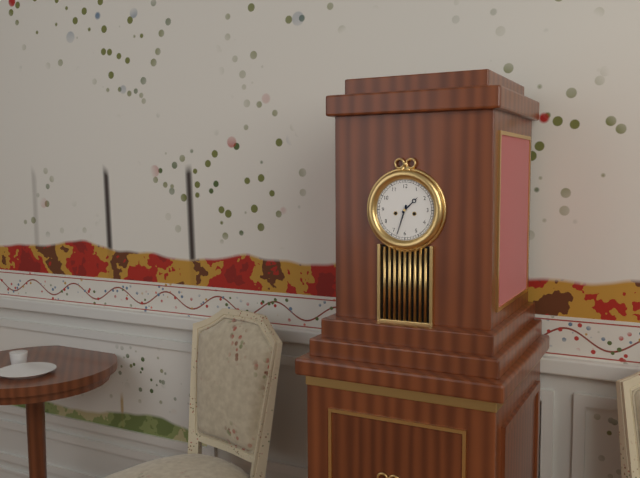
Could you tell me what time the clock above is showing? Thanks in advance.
1:33
